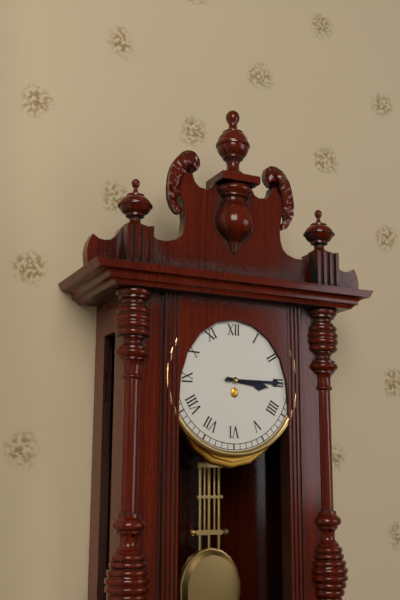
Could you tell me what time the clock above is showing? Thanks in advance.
3:15
